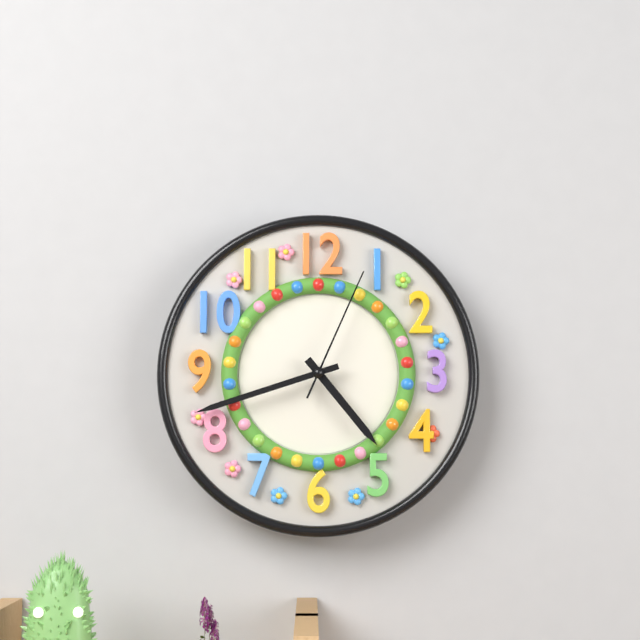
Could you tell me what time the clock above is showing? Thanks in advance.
4:42:04
